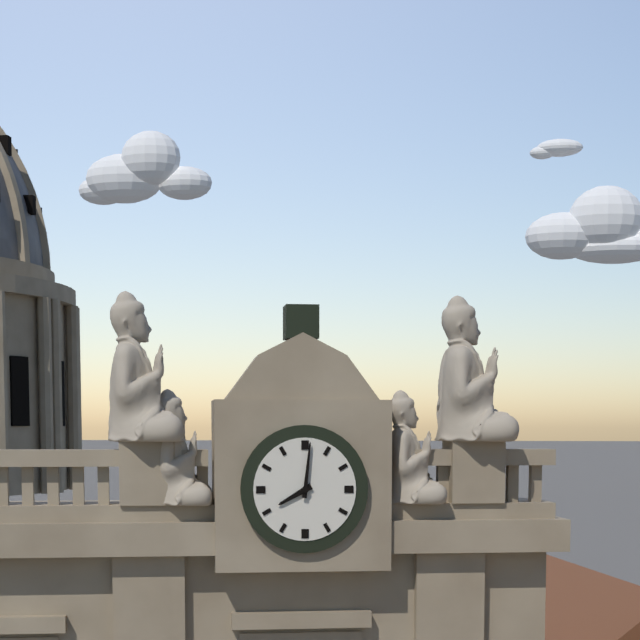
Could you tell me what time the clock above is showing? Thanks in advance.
8:01
